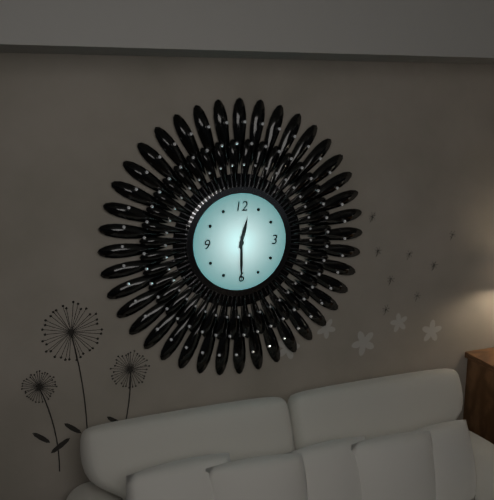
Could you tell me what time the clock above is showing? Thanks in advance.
12:30
